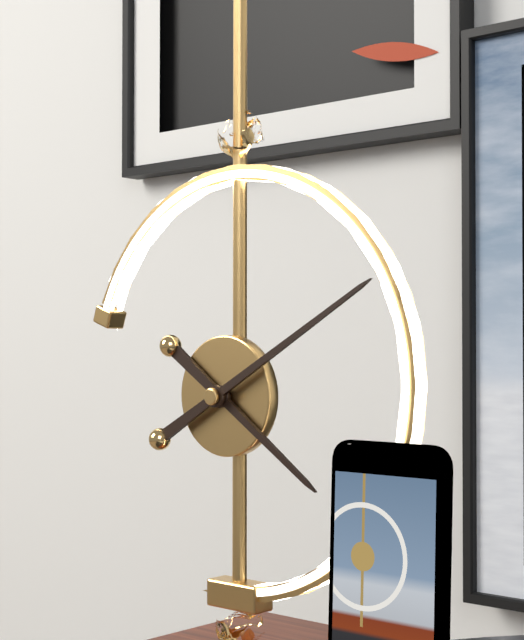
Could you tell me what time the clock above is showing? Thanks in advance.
4:10
